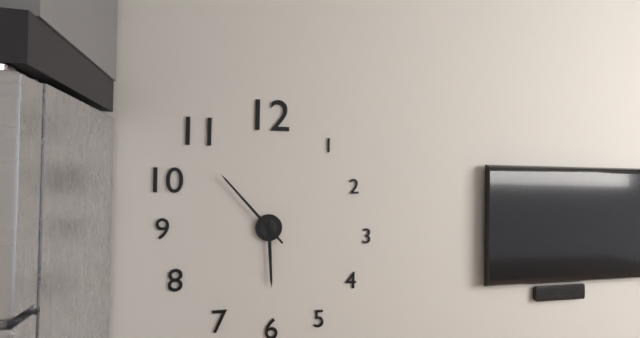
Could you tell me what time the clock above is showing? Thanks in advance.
5:53
